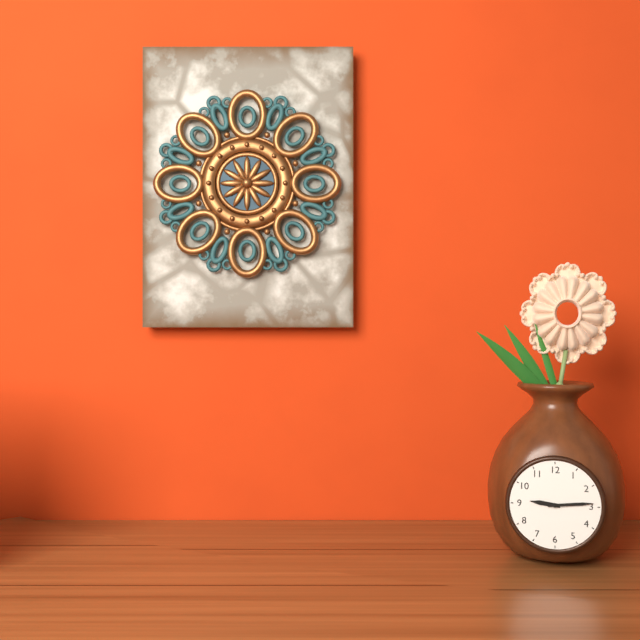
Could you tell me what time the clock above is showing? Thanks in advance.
9:14
